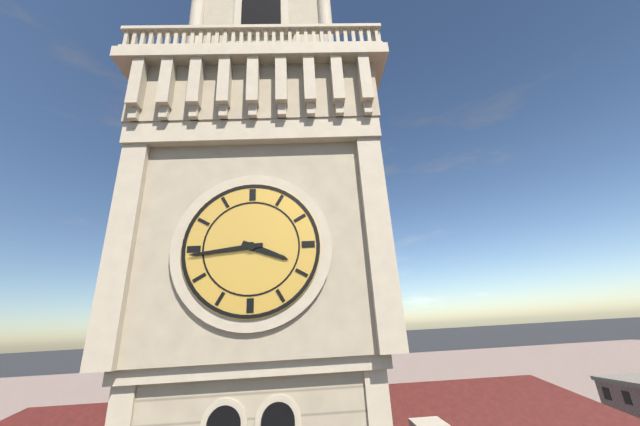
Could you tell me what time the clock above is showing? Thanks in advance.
3:44
